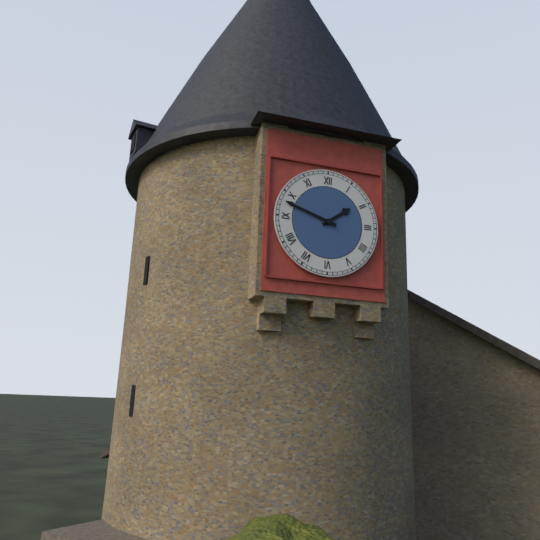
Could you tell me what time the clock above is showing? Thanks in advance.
1:48
